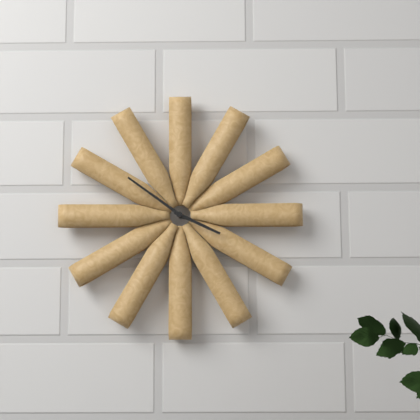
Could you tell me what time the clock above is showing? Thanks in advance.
3:51
